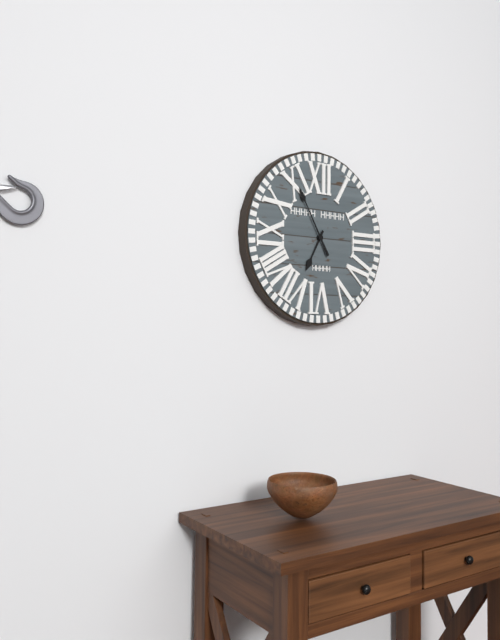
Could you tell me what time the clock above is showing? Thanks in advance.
6:55
